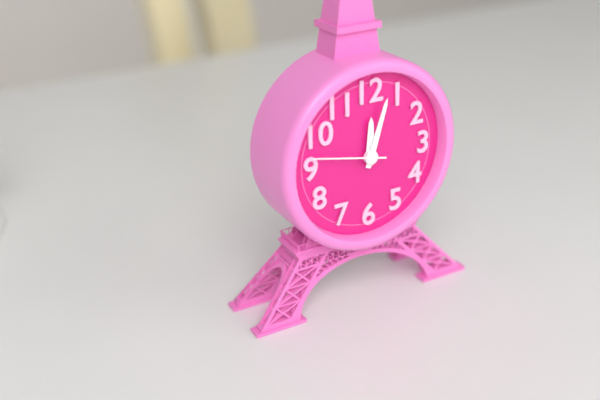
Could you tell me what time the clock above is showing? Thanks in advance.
12:03:47
